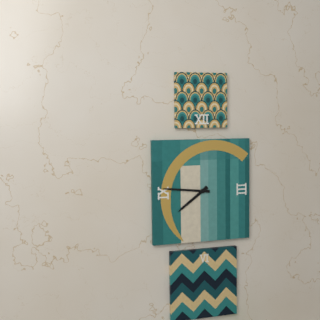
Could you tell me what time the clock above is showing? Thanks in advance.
7:46
